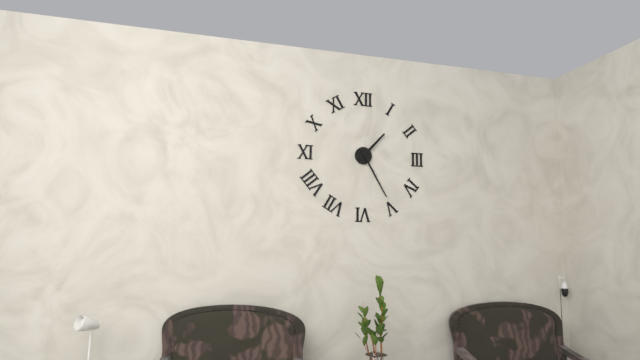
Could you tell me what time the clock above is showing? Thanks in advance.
1:25
